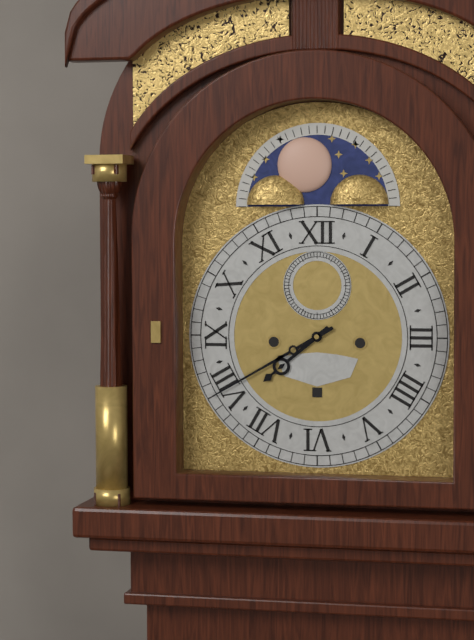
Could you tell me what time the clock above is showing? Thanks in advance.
7:40
